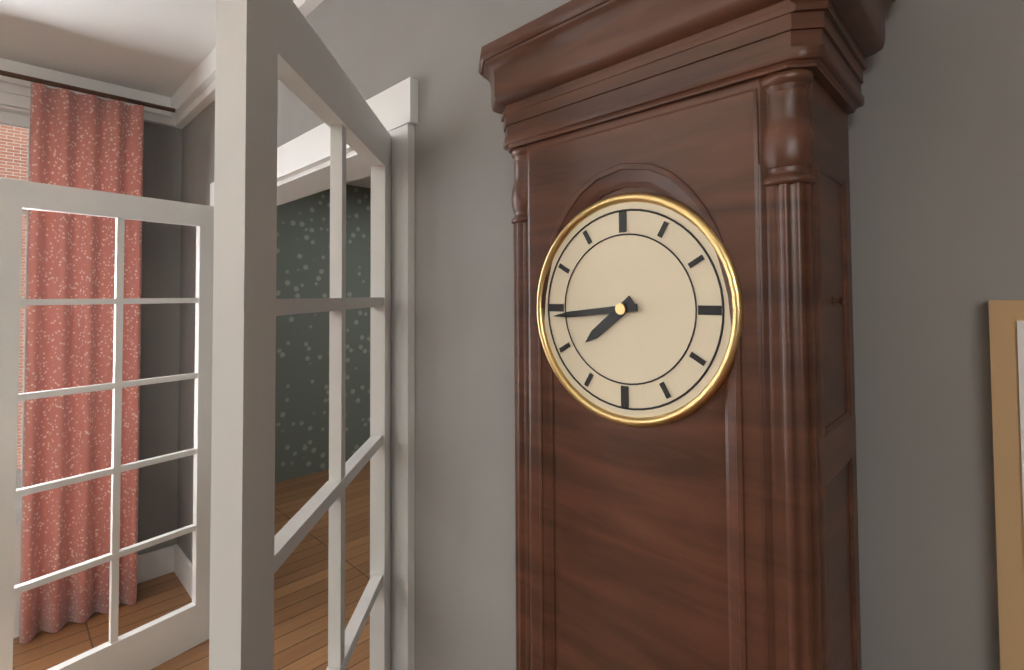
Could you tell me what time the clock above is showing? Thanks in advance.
7:44
